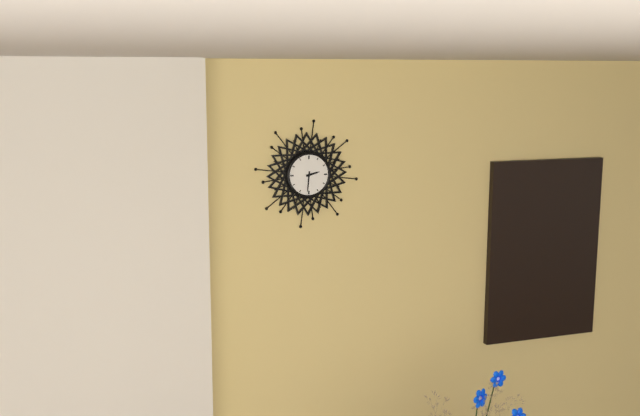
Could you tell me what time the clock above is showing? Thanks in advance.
2:31
